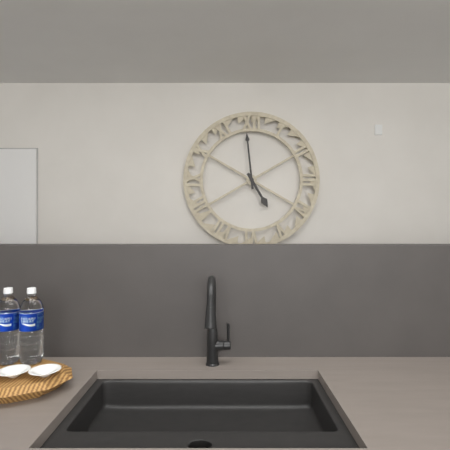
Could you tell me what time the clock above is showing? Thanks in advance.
4:59
